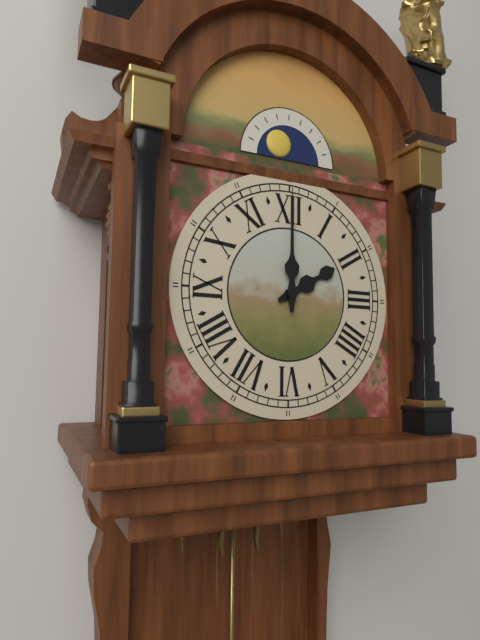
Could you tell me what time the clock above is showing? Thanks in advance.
2:00
